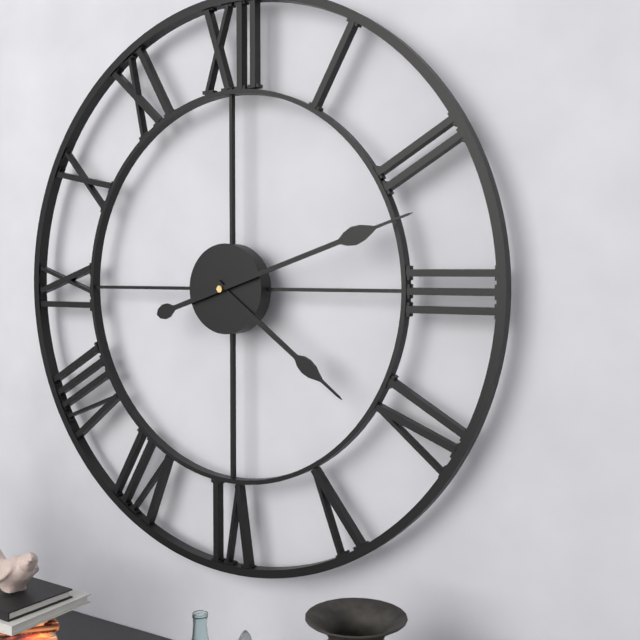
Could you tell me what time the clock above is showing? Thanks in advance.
4:12
